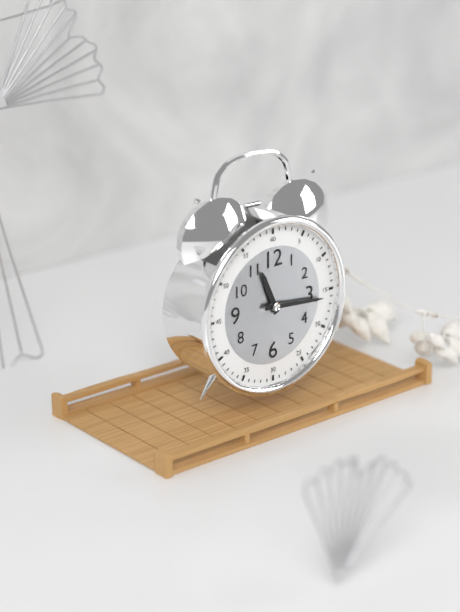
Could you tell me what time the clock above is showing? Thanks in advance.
11:16
